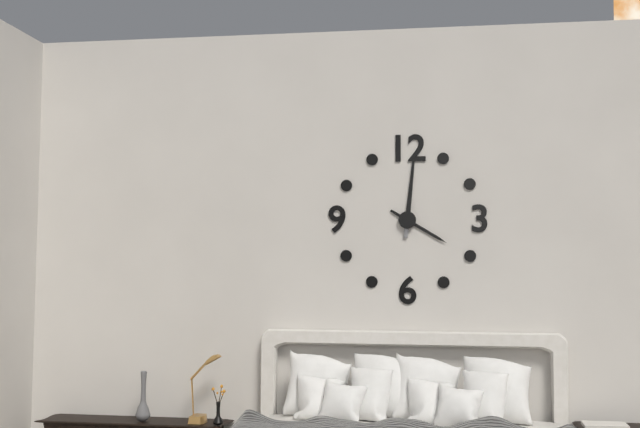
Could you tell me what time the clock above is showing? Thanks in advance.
4:01
